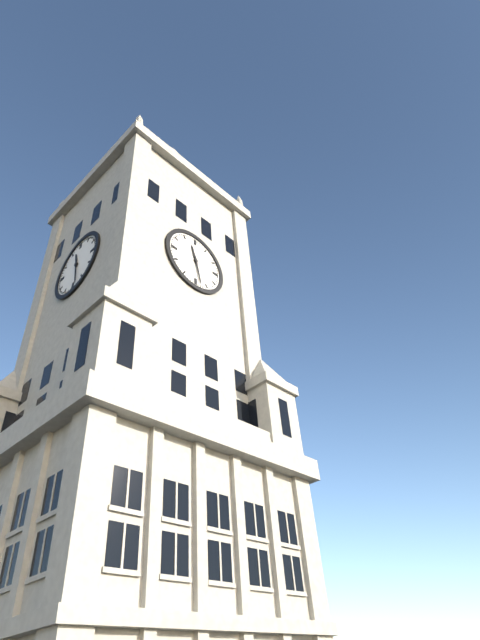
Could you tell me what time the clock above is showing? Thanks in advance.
11:28
